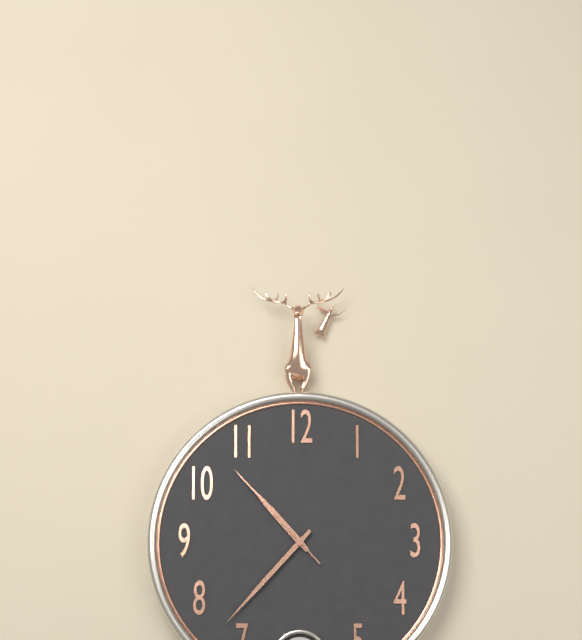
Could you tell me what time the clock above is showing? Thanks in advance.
10:37:53
